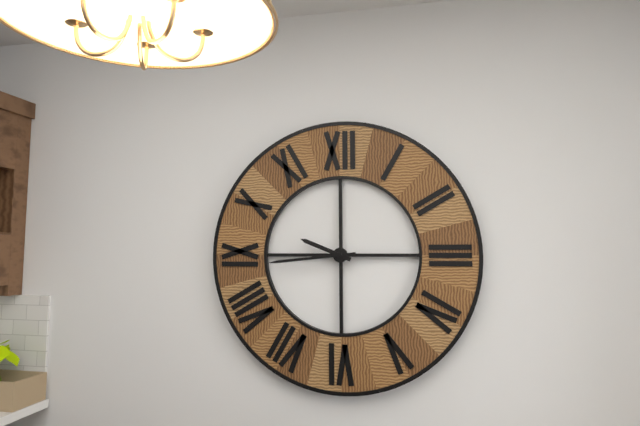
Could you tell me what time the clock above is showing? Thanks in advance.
9:44
